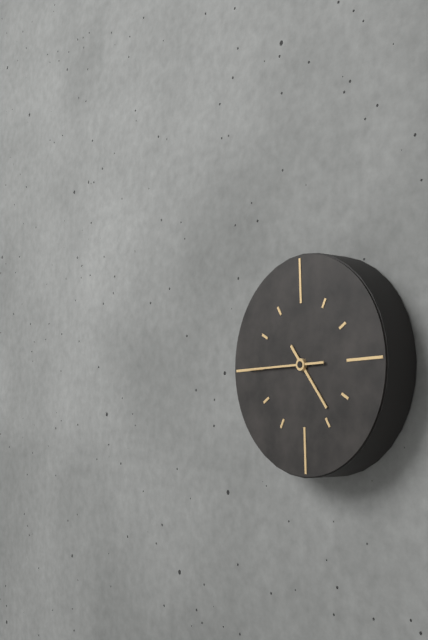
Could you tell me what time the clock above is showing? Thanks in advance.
4:45
